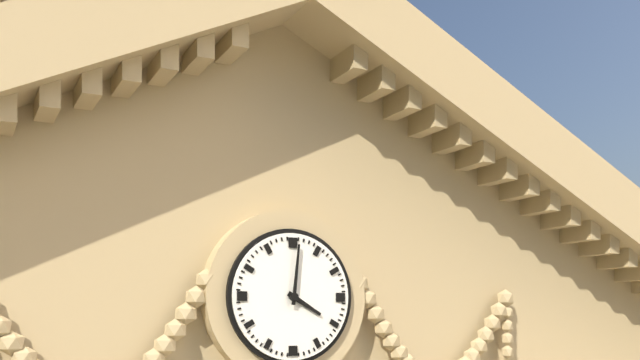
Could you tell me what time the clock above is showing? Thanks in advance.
4:01
